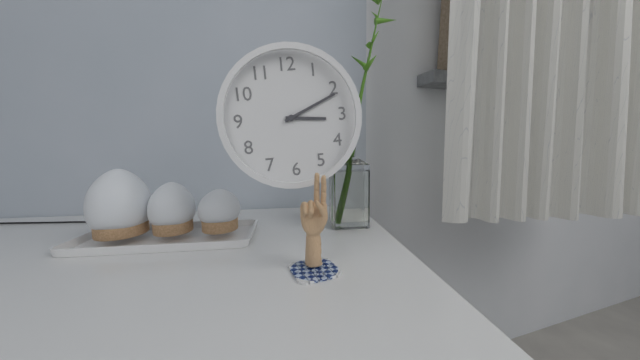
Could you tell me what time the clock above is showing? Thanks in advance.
3:11
